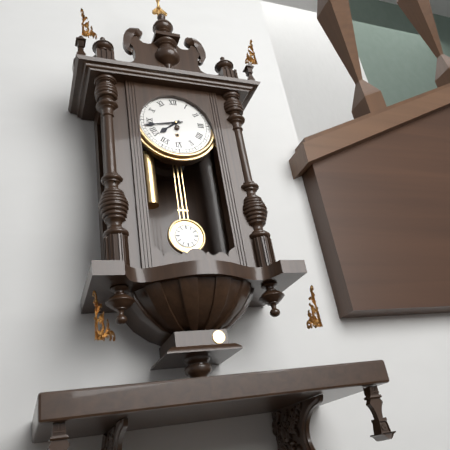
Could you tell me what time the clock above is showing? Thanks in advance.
7:43
